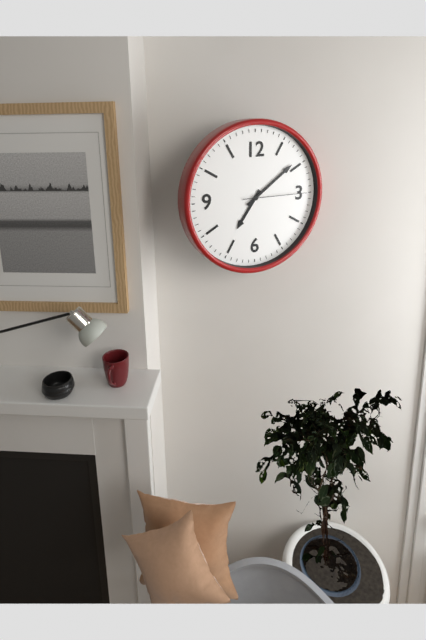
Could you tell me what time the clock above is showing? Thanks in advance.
7:09:15
